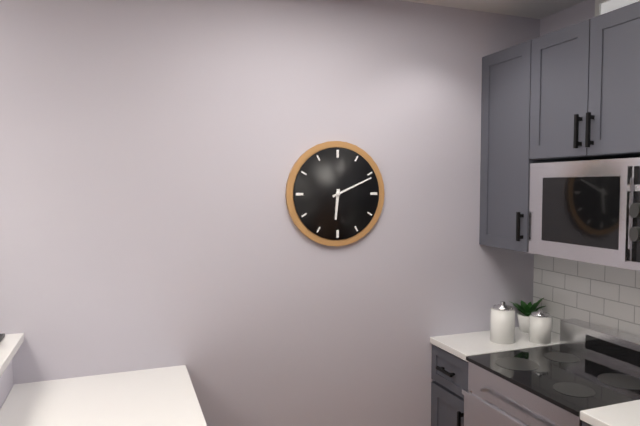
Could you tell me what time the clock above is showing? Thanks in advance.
6:11
